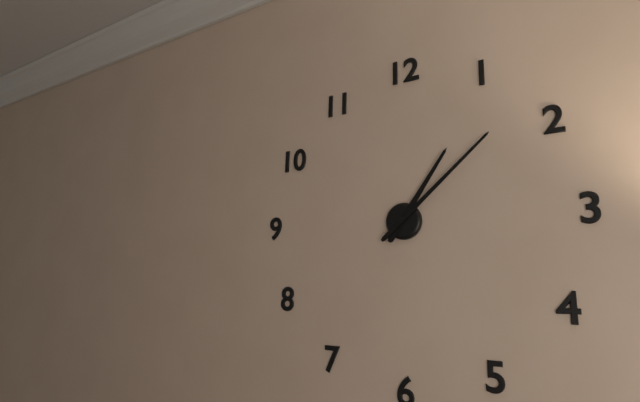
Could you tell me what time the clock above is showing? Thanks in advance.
1:08
